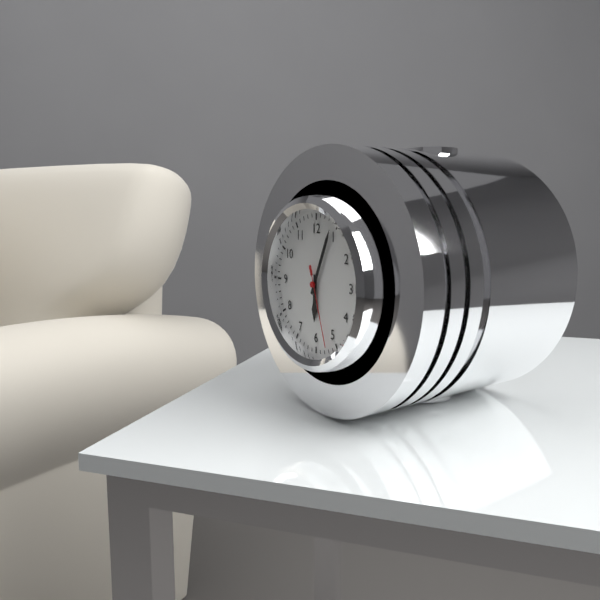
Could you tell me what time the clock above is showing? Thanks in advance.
6:04:27
